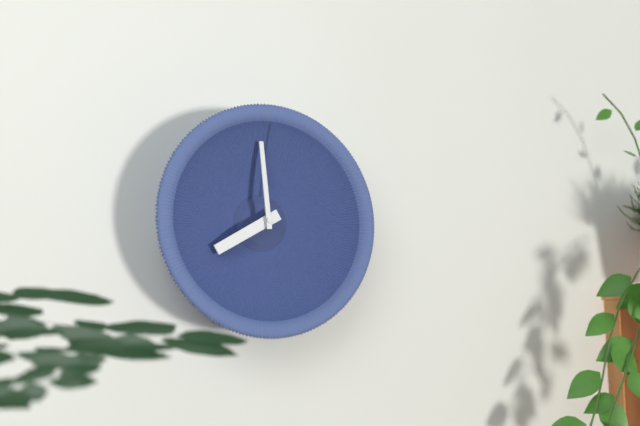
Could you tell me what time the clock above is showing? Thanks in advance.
7:59
